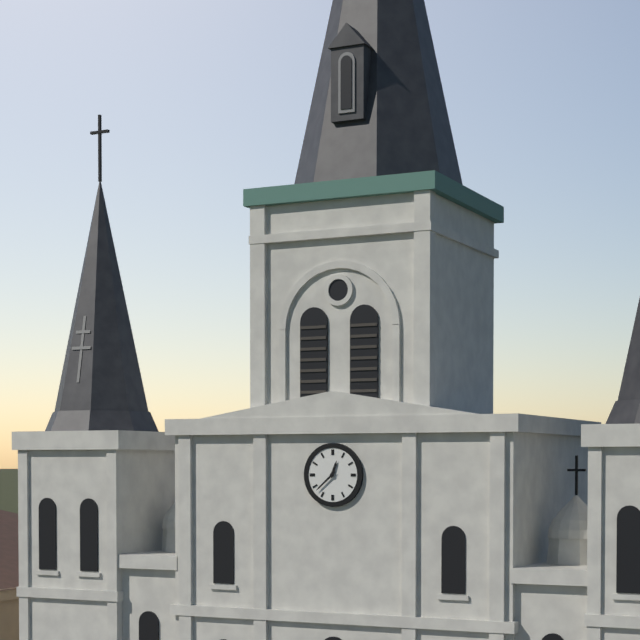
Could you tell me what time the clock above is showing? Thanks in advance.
12:38
